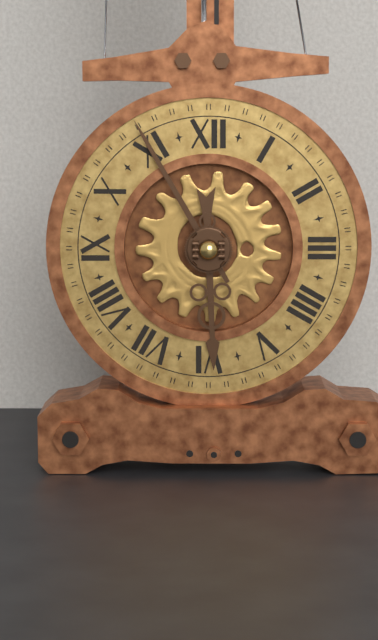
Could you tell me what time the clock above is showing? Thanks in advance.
5:55
